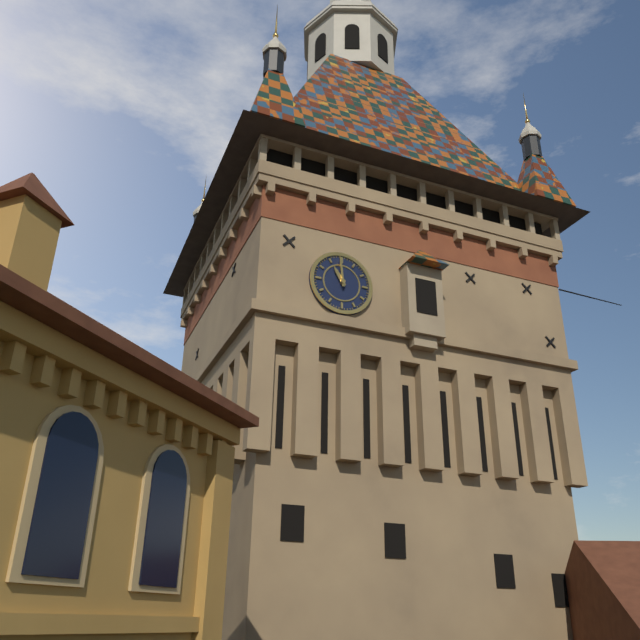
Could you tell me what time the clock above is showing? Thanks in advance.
10:59
